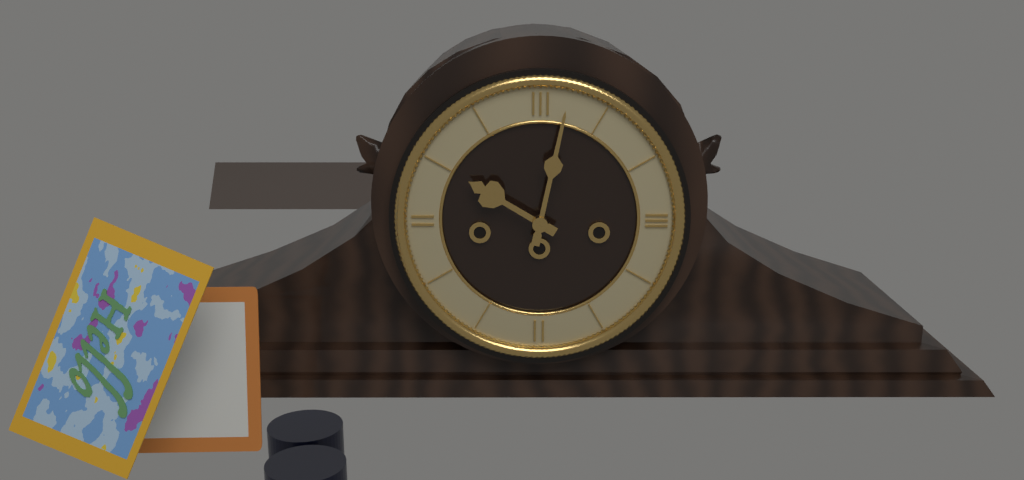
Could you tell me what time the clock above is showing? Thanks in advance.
10:02
